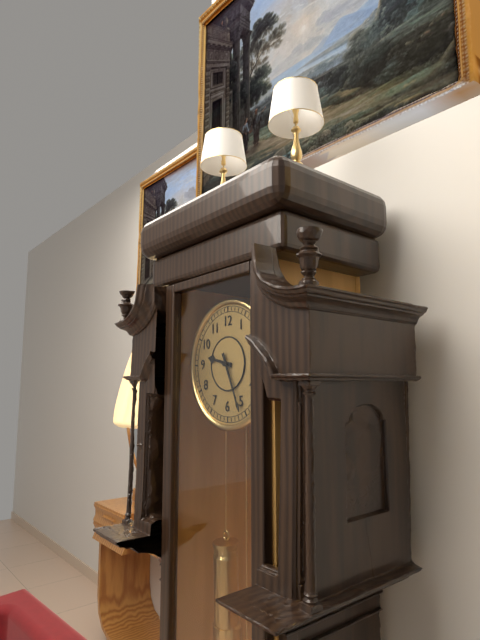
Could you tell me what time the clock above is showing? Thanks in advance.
9:26
